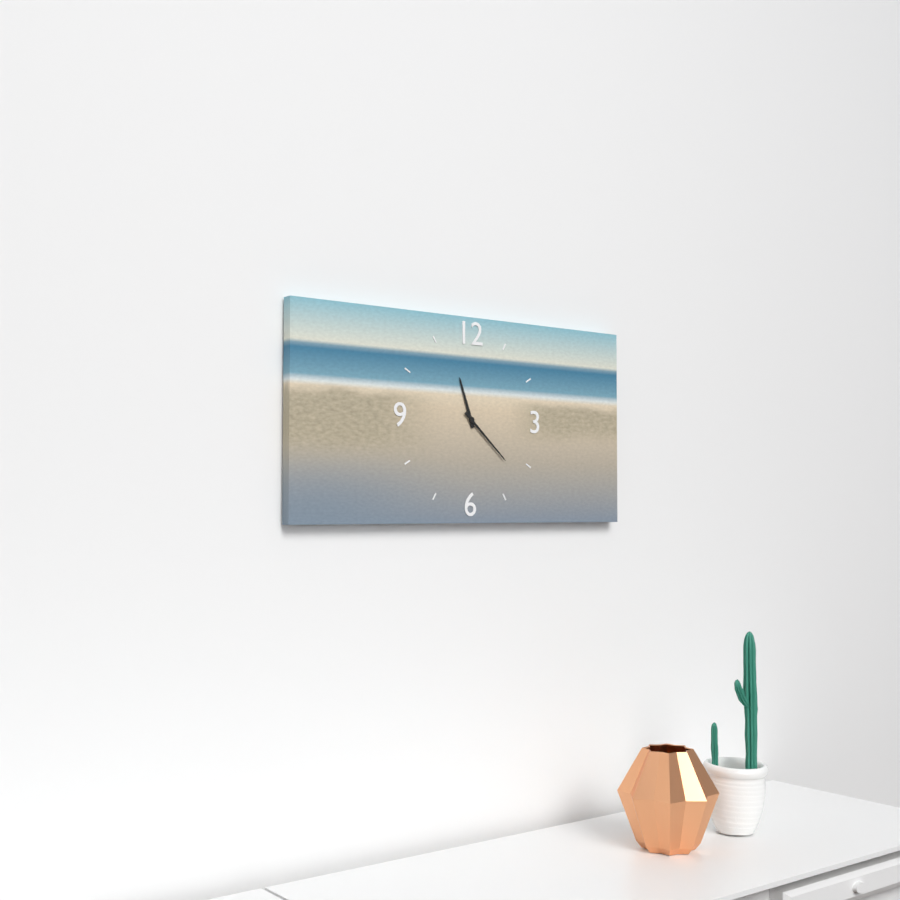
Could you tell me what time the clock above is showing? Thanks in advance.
11:22
